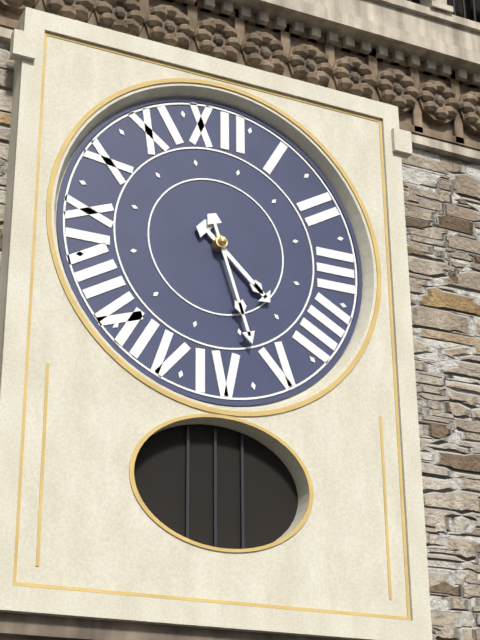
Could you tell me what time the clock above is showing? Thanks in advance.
4:27
